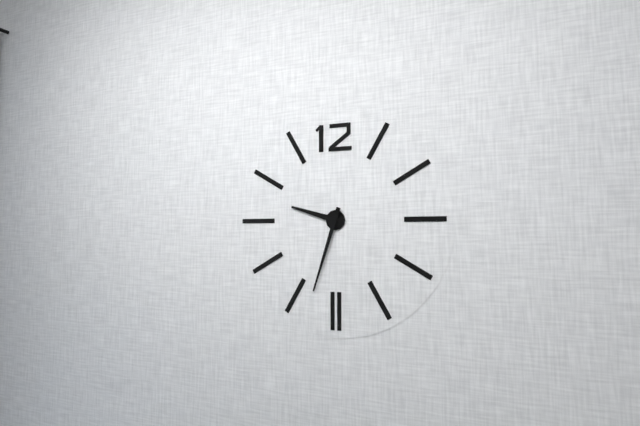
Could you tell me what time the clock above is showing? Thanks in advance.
9:33
